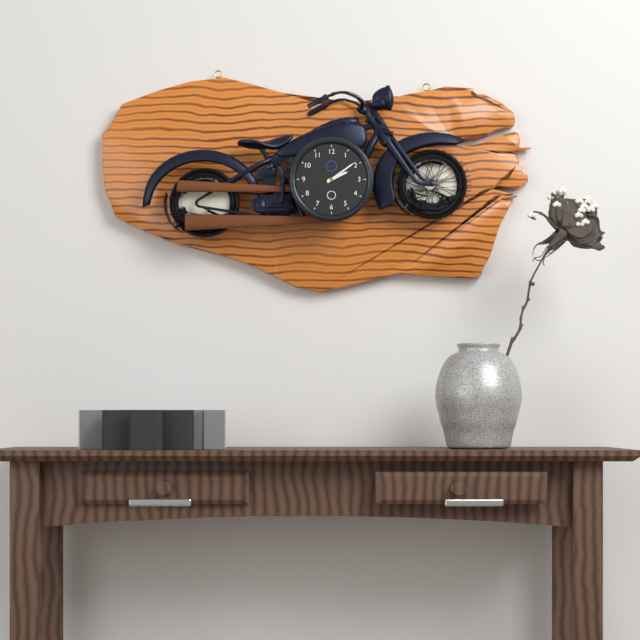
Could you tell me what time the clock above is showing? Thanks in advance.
2:09
